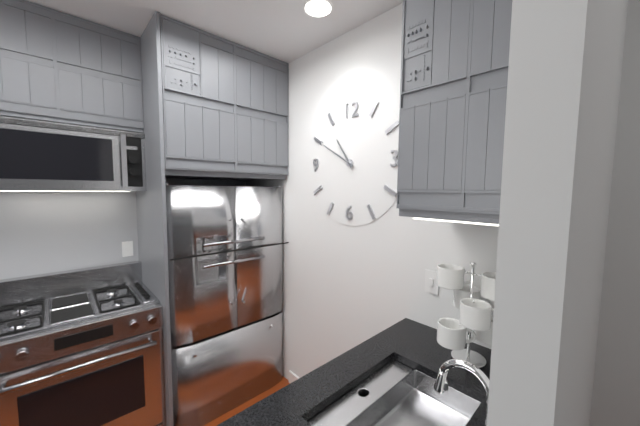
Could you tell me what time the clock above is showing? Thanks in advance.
10:50
